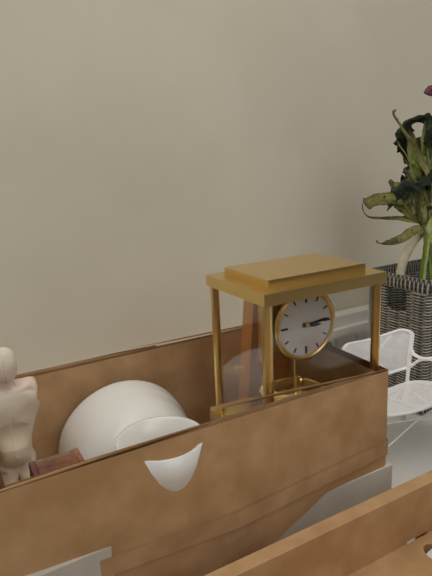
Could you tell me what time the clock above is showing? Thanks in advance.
3:14
